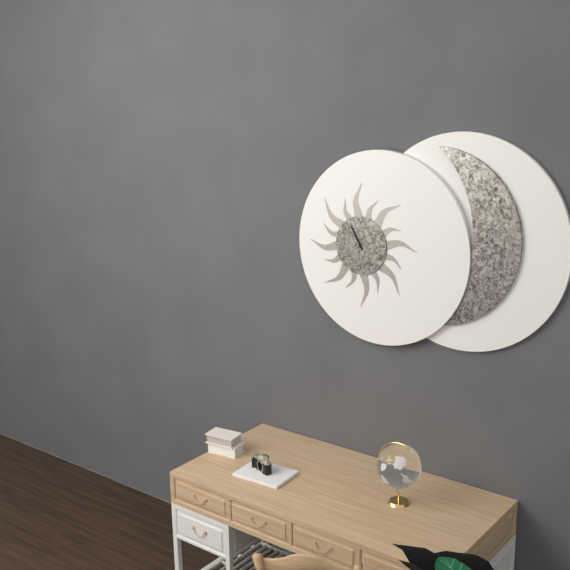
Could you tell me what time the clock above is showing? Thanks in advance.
10:55
